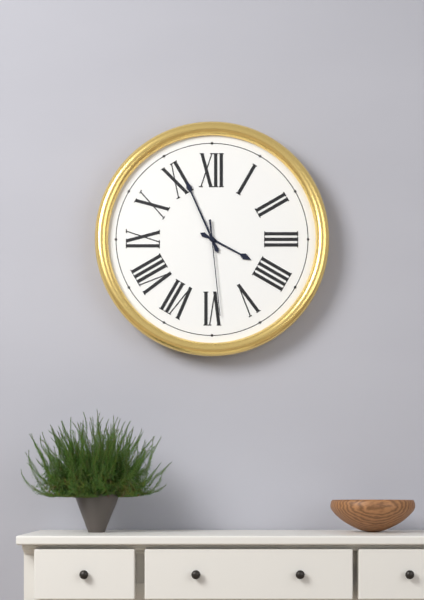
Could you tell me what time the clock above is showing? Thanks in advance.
3:56:29
